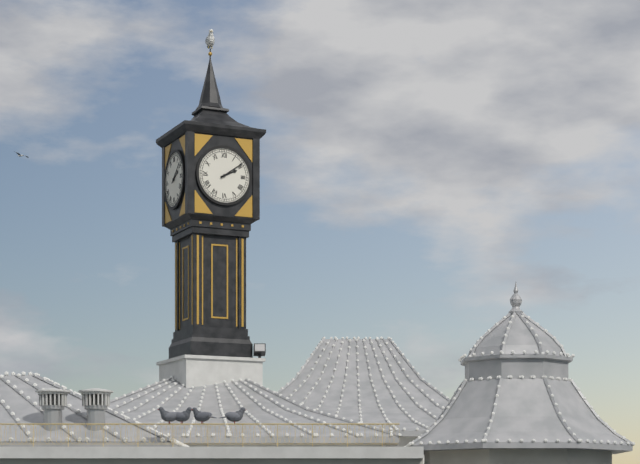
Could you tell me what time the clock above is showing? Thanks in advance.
2:09
